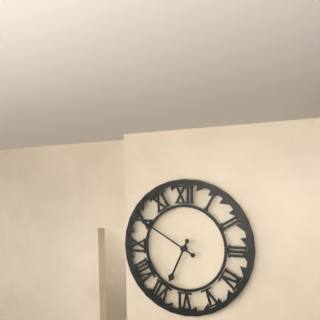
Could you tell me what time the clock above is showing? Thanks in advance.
6:50
